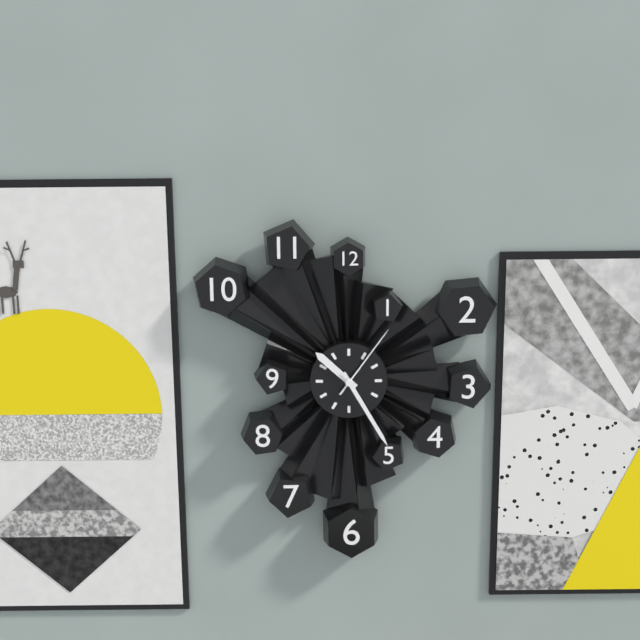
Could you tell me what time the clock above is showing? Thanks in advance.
10:25:06
